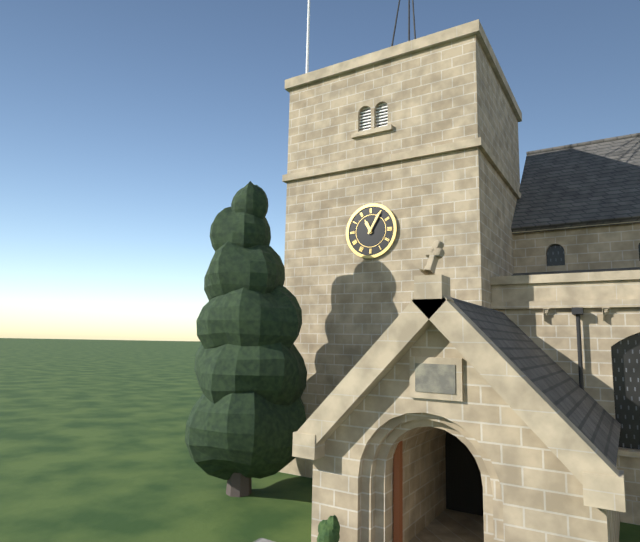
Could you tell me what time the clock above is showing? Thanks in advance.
11:05
